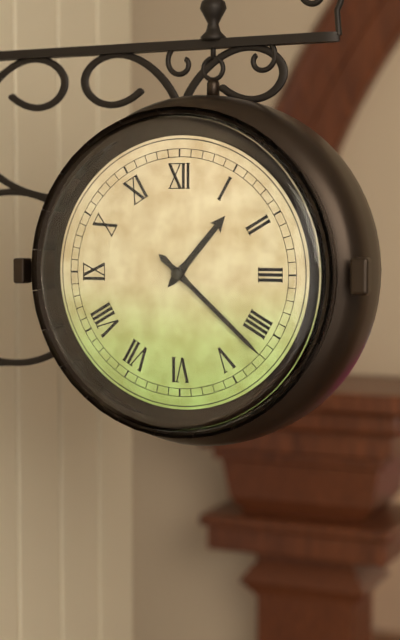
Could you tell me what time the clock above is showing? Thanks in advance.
1:22
